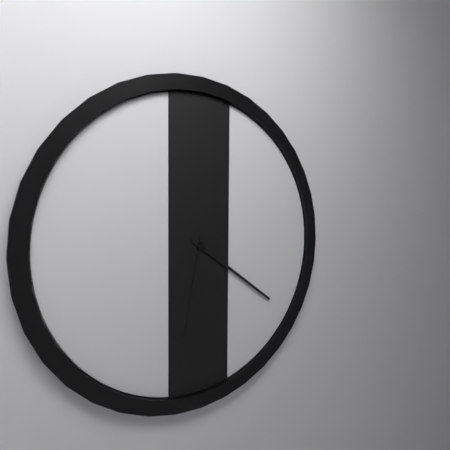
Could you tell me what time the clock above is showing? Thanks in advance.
6:21
